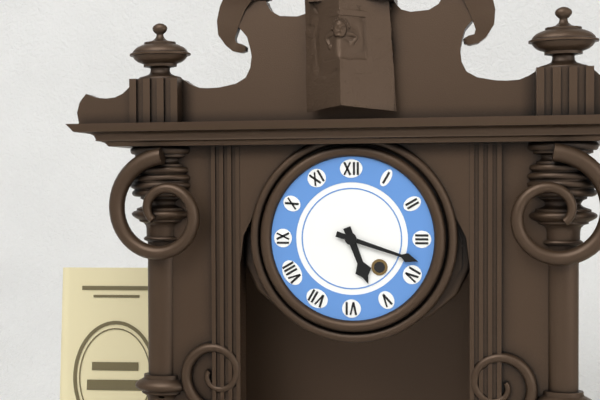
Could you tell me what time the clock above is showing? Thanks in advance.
5:18
